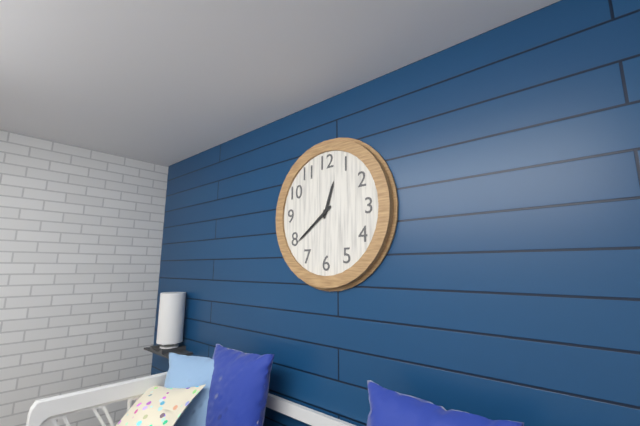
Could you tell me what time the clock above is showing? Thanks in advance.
12:39
